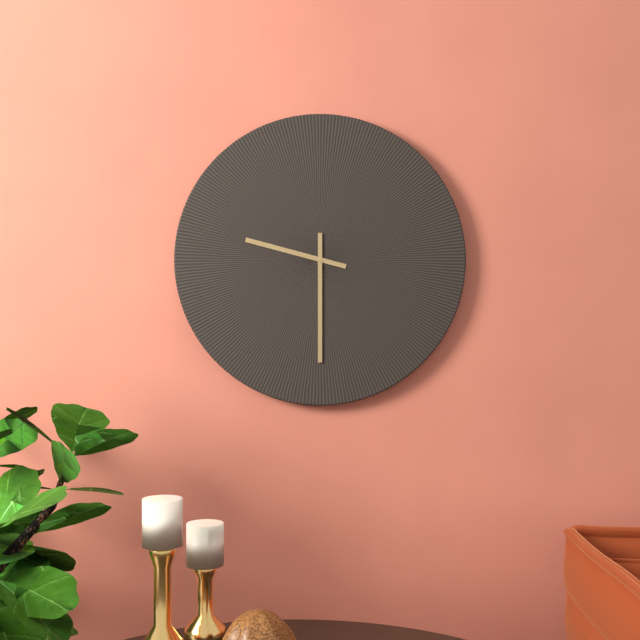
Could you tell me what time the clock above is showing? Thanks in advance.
9:30
